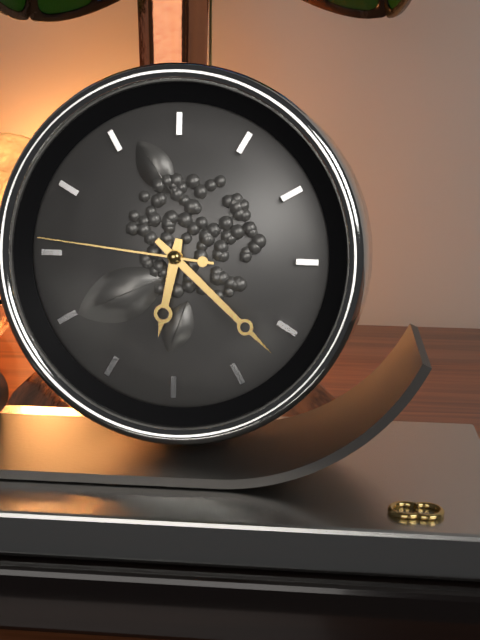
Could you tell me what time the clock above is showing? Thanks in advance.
6:22:46
